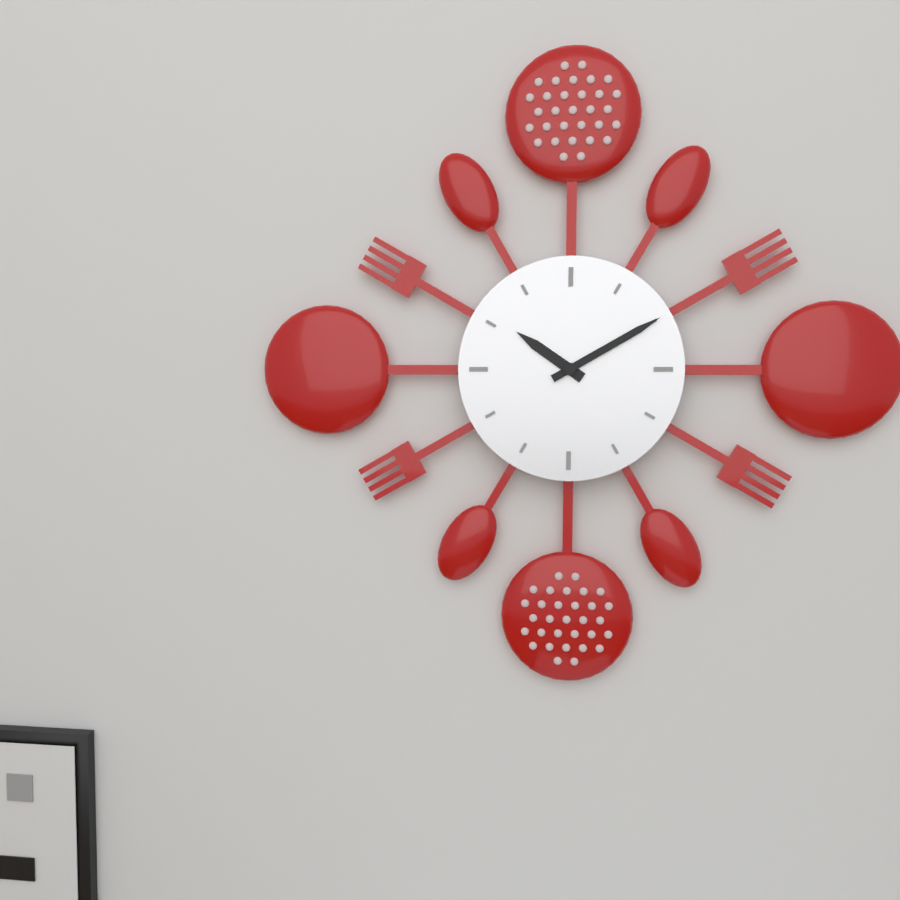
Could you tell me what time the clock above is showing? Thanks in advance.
10:10
